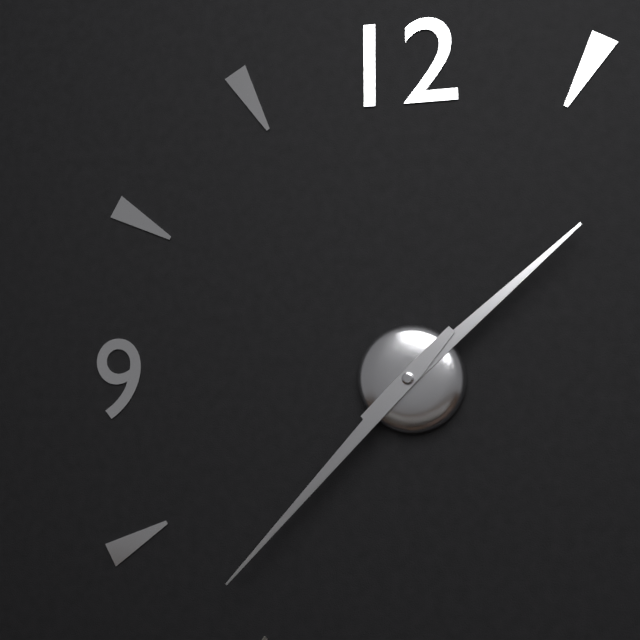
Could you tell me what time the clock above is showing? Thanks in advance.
1:37
